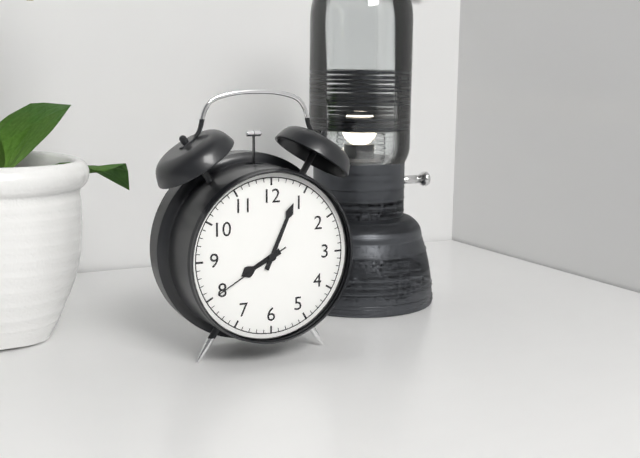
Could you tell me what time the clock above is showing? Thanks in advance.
8:04:40
